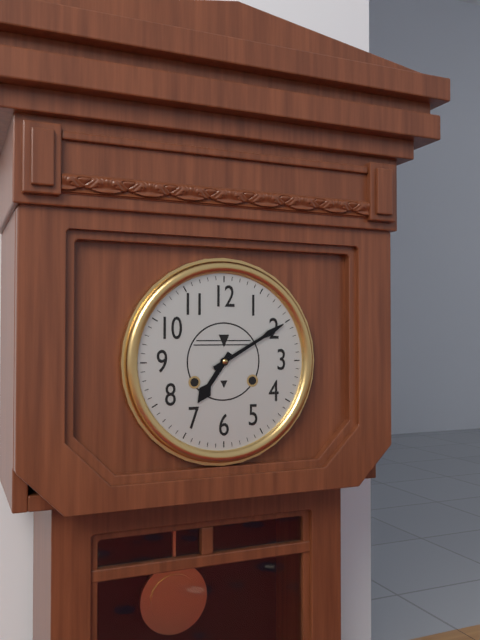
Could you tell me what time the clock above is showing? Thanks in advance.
7:10
